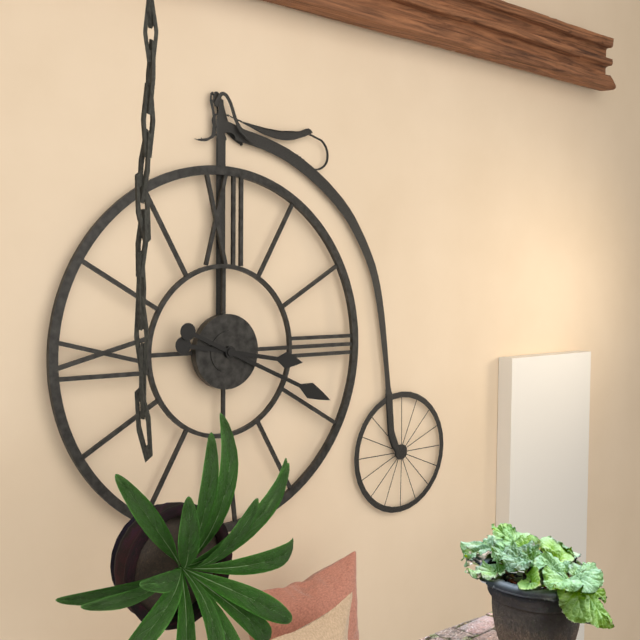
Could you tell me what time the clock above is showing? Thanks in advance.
3:19
